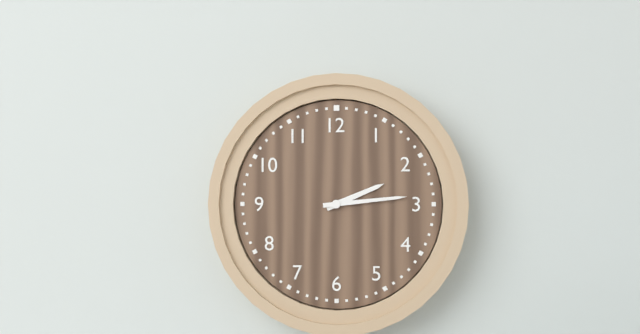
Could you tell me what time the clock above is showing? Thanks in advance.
2:14
